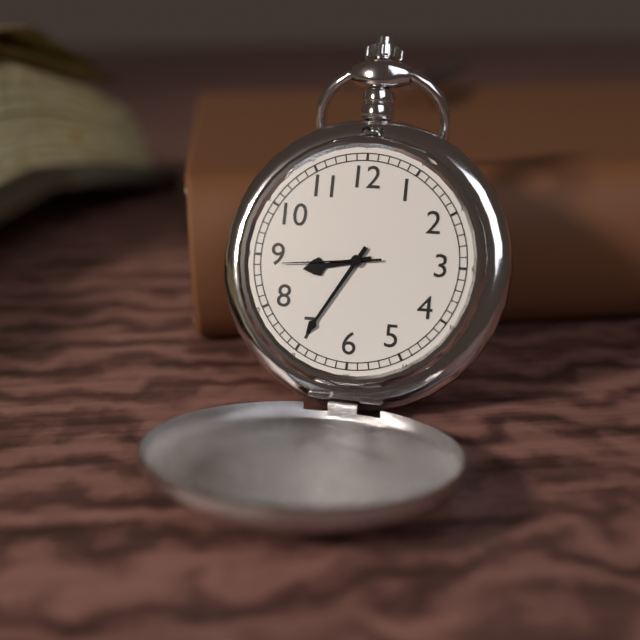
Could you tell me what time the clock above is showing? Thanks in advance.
8:35:44
